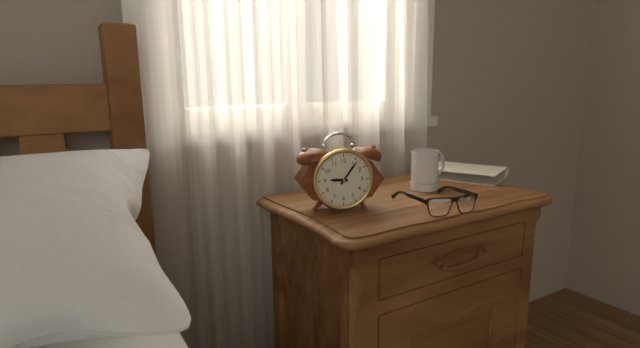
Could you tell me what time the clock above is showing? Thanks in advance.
9:06
